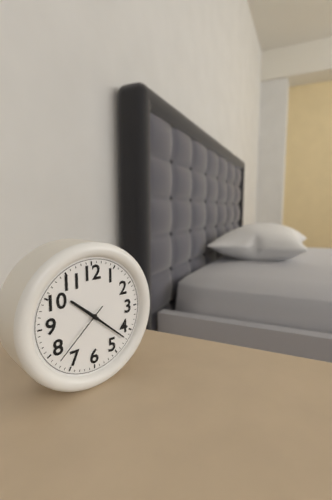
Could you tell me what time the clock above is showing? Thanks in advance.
10:22:38
